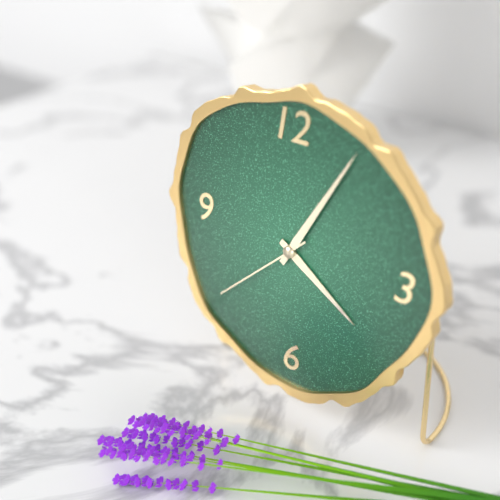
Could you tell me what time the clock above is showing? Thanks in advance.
4:05:38
